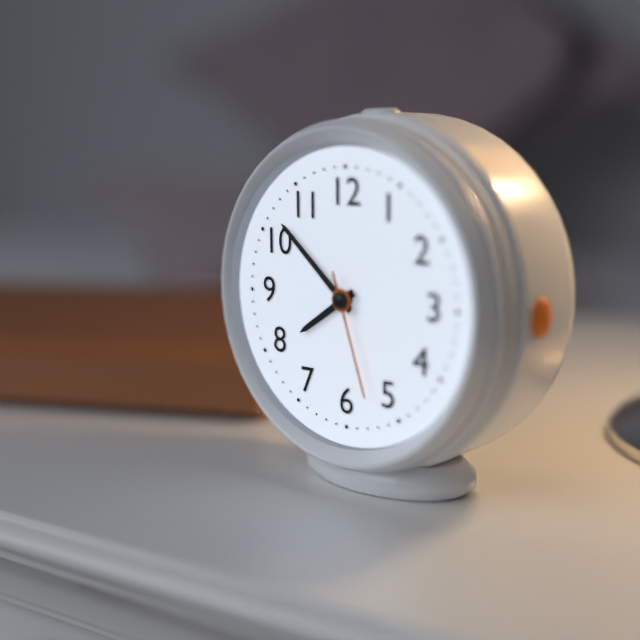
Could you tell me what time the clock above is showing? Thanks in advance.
7:52:27
